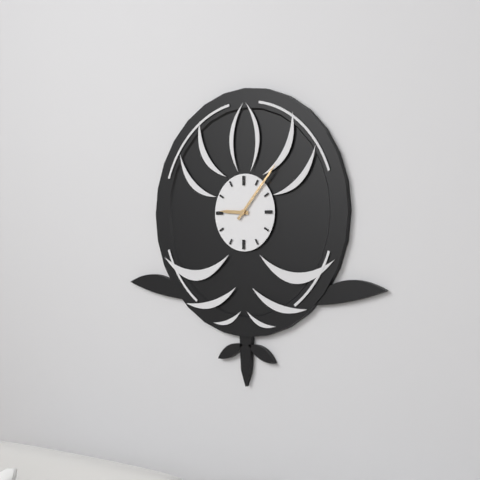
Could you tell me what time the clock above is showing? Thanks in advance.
9:07
